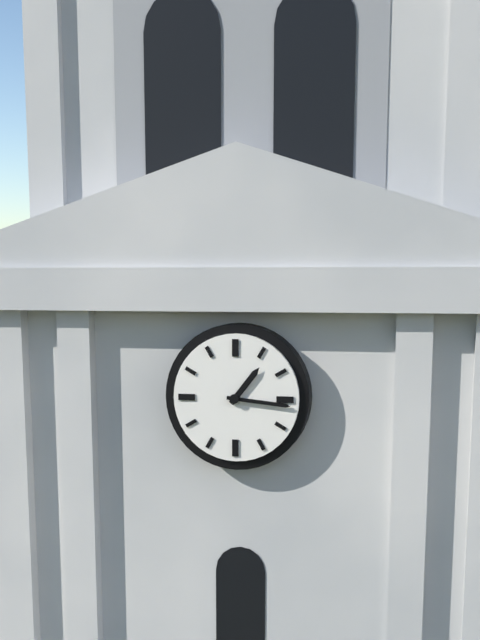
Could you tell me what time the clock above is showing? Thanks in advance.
1:16
